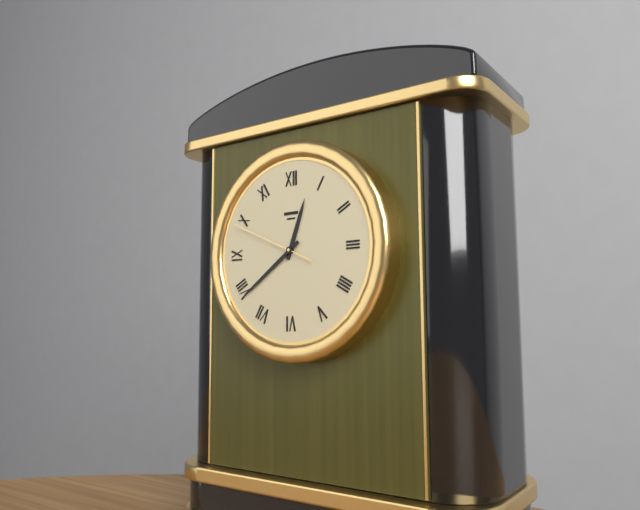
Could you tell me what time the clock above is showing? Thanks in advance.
12:39:49
